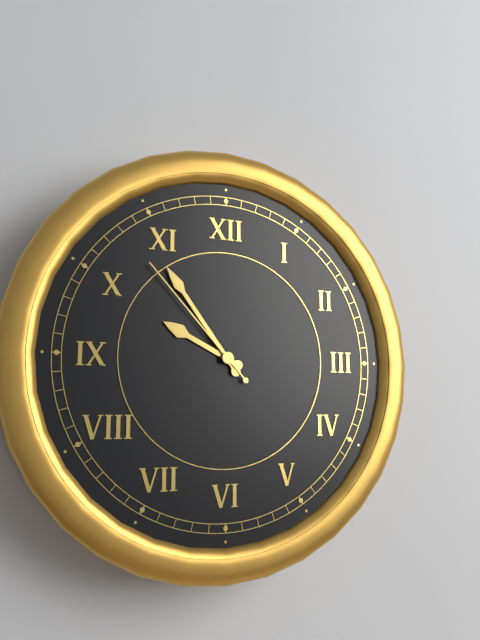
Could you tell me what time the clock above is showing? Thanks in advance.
9:54:53
